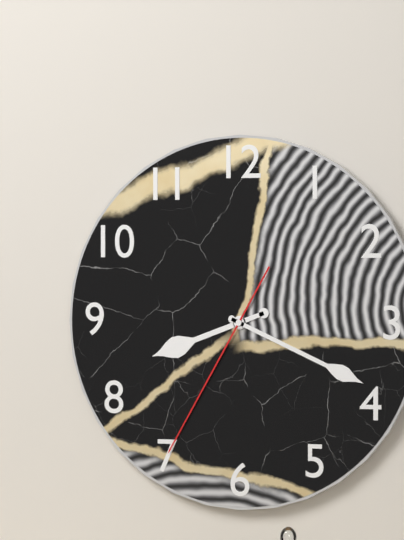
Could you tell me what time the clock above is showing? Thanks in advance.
8:19:35
